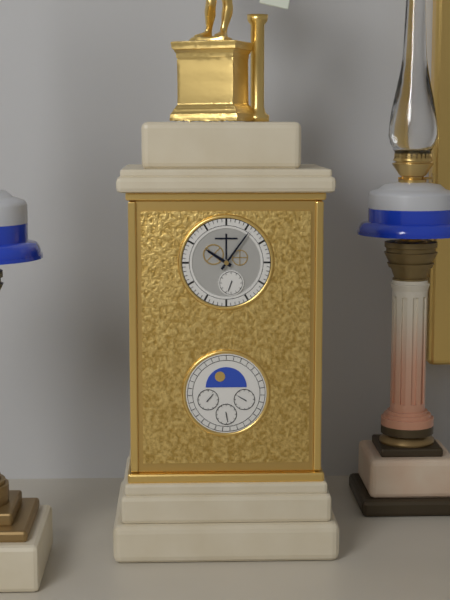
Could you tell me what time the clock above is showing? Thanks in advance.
10:06
